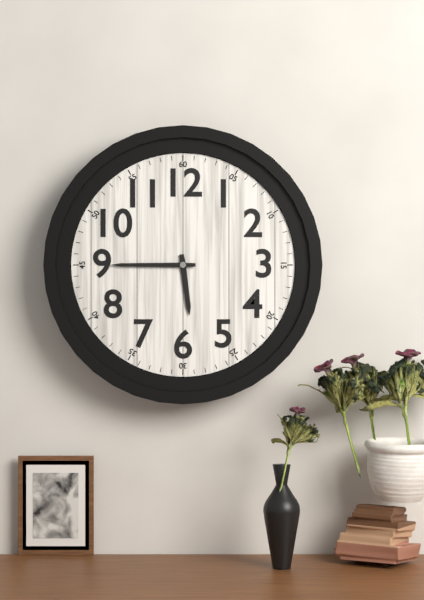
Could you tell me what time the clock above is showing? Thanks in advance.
5:45
